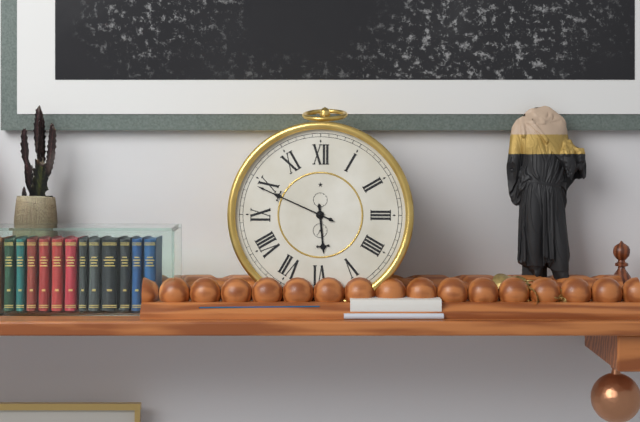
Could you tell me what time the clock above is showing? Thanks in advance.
5:49
